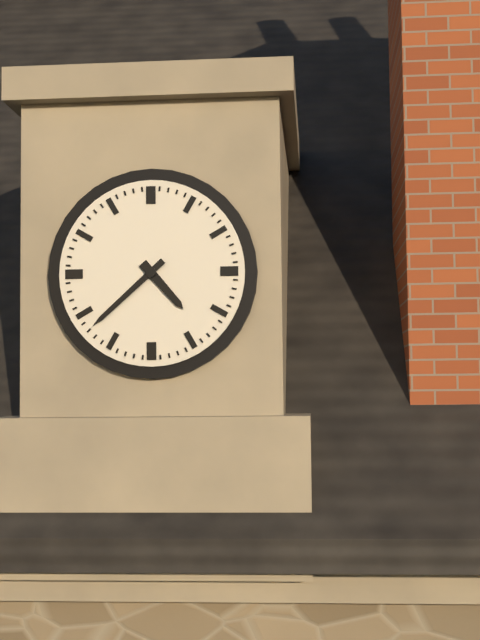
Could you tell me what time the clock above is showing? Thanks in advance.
4:38
